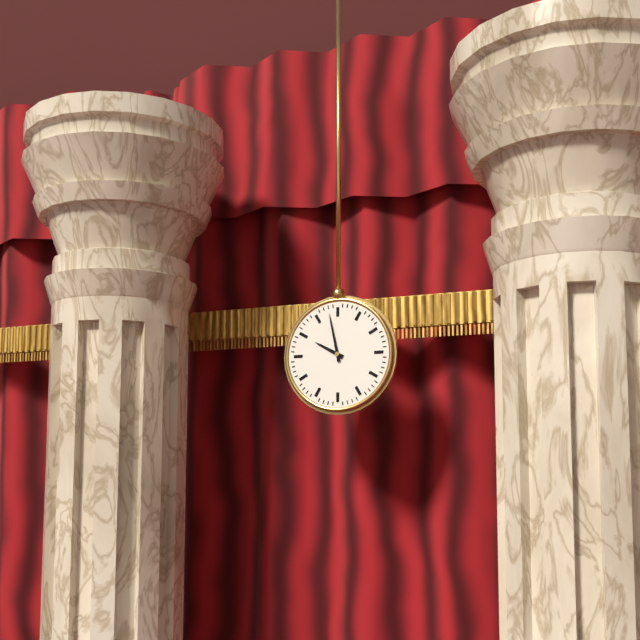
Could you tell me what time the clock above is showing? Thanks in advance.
9:58
